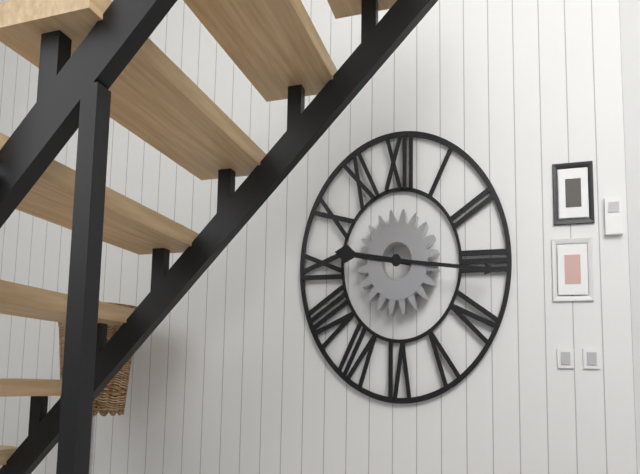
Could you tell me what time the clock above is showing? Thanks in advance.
9:16
